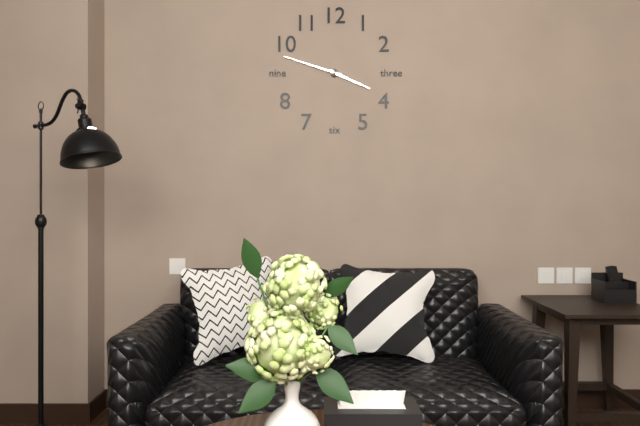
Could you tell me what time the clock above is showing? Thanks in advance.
3:48
